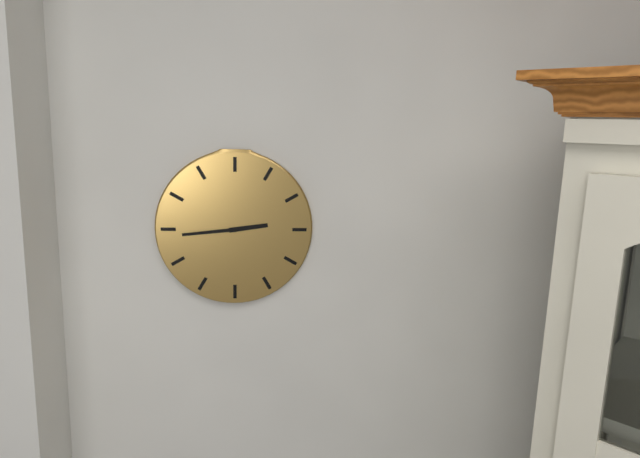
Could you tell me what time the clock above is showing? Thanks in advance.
2:44
